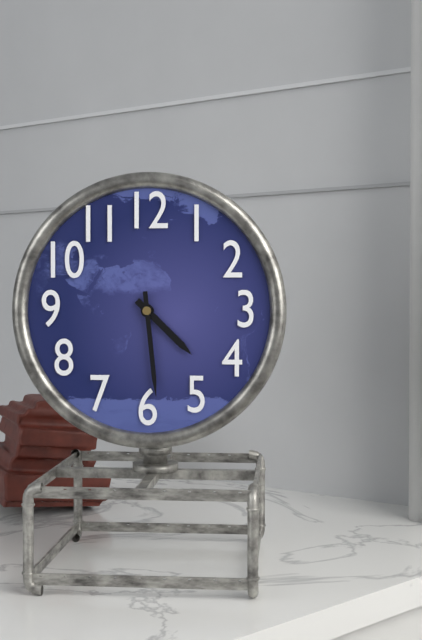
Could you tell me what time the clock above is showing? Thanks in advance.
4:29
